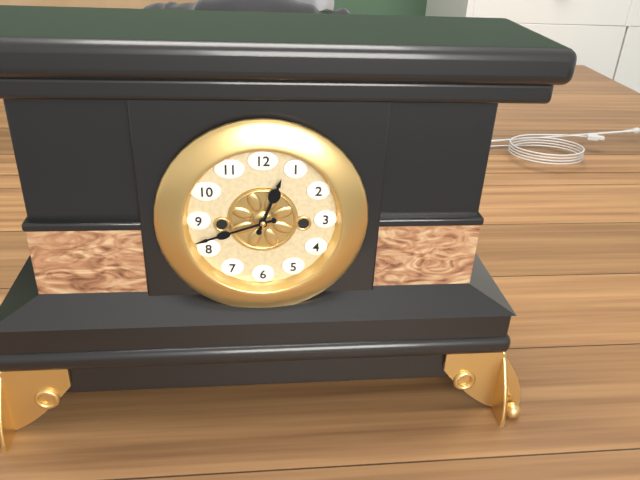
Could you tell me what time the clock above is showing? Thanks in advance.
12:42
